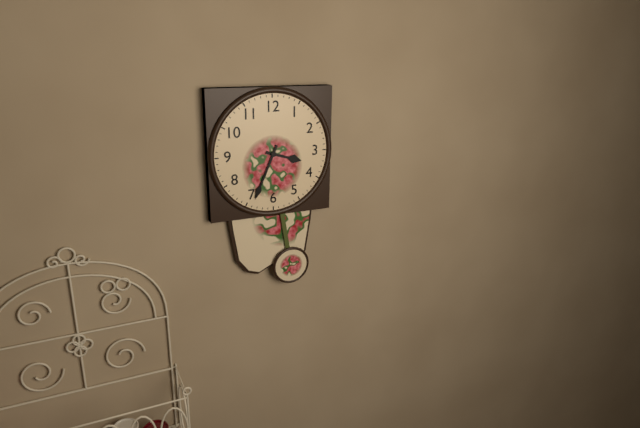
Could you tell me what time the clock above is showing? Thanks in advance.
3:34
